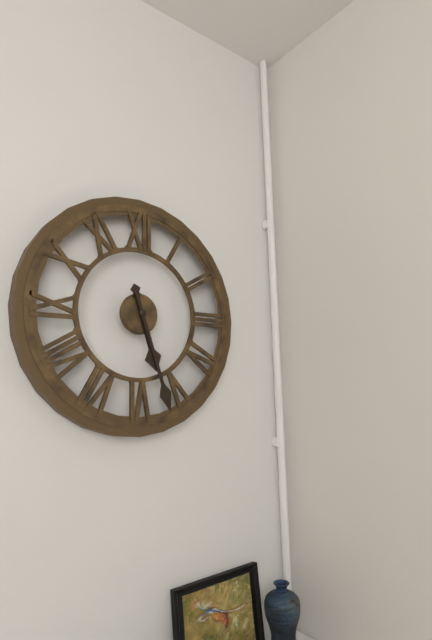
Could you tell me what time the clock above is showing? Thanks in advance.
5:27
